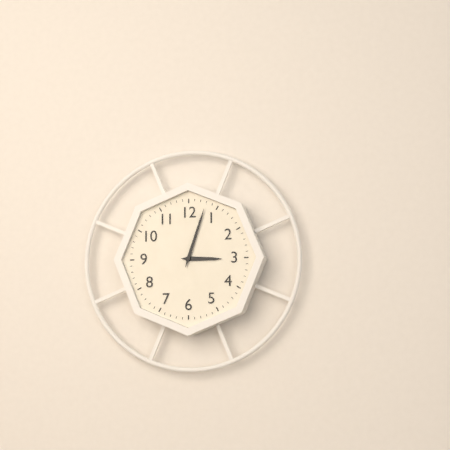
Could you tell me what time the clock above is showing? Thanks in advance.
3:03
